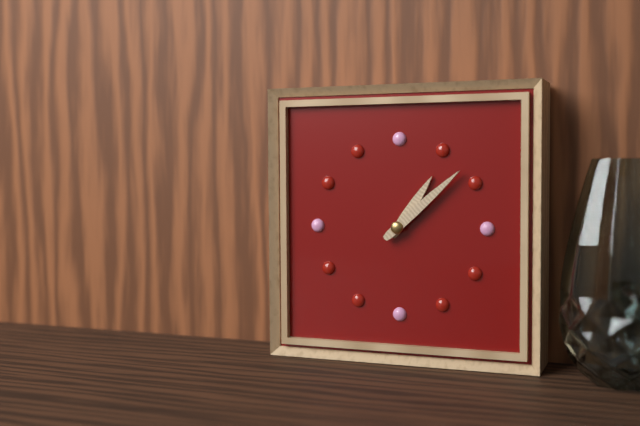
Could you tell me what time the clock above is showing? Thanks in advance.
1:08
